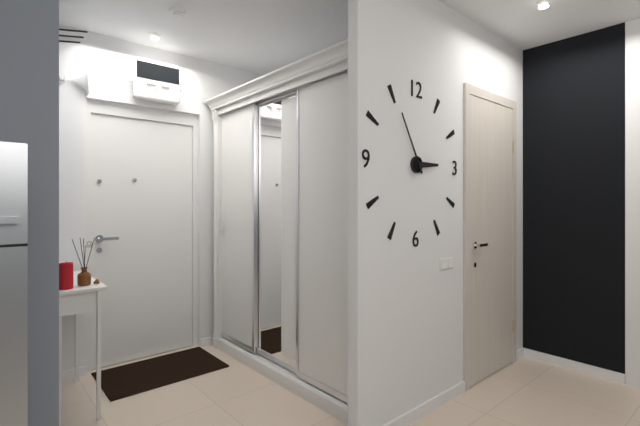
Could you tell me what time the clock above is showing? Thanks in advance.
2:55
